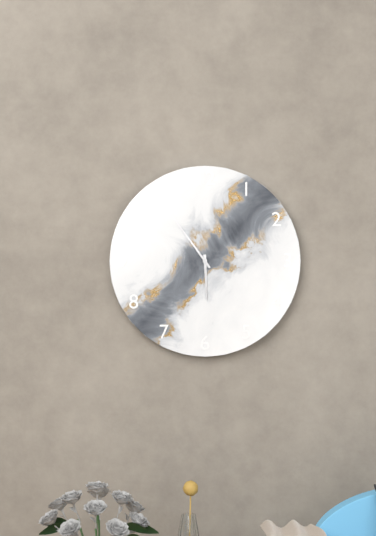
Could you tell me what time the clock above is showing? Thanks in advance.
5:54
